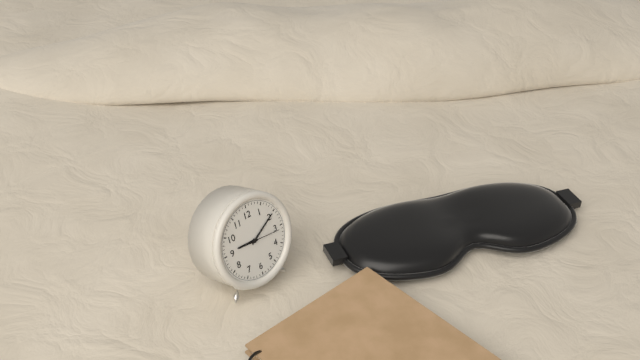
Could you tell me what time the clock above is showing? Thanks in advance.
9:10
